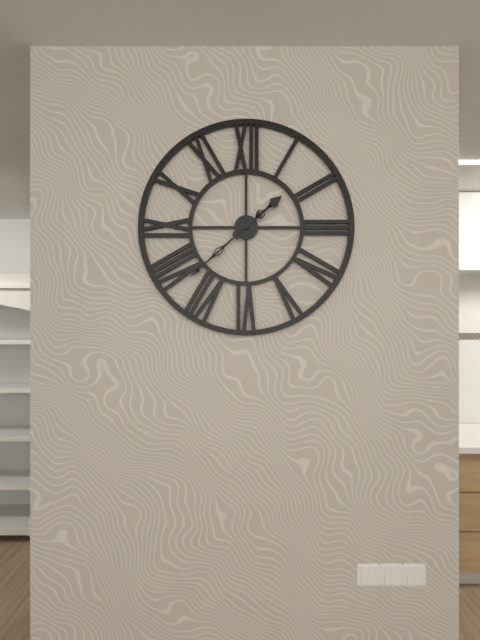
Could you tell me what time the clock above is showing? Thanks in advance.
1:38
